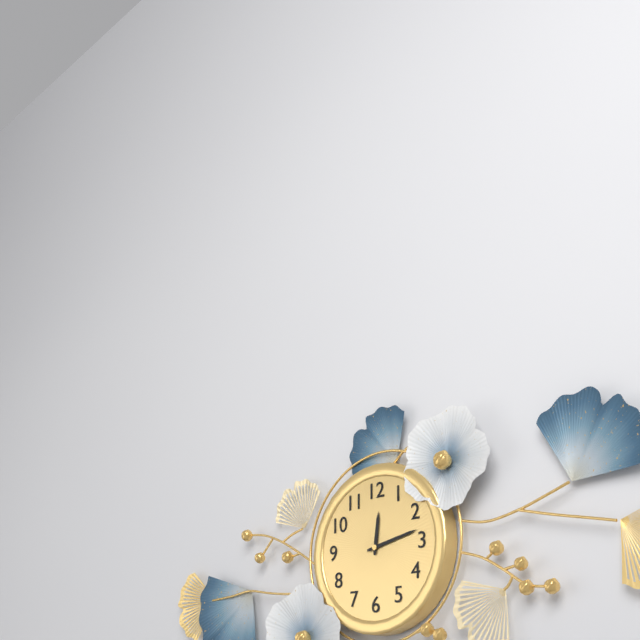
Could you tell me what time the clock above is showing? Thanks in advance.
12:13
